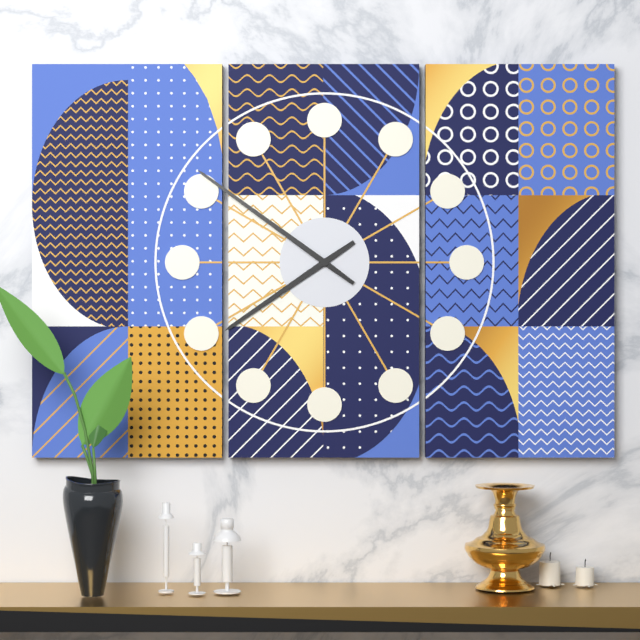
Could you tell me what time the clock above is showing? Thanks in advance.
7:51
